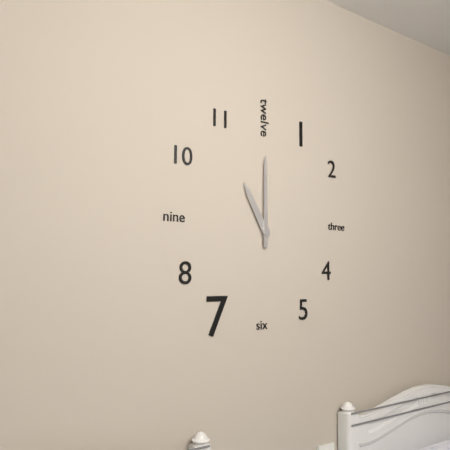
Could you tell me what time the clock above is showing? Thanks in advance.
11:00
